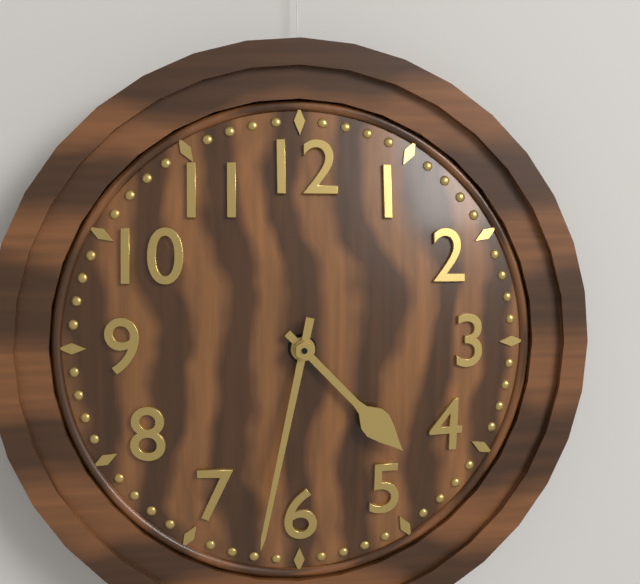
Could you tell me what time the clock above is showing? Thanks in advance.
4:32
